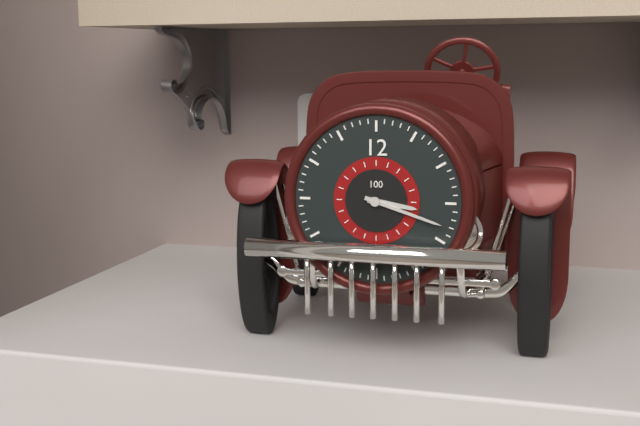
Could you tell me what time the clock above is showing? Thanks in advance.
3:18
